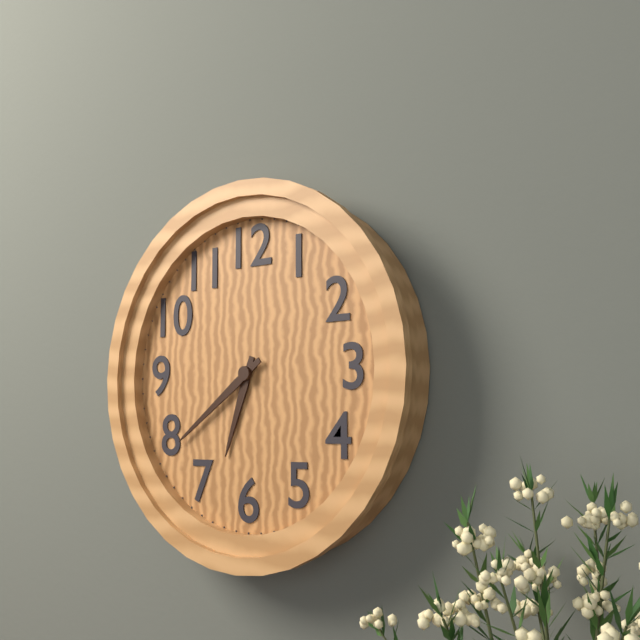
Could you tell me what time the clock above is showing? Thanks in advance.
6:39
